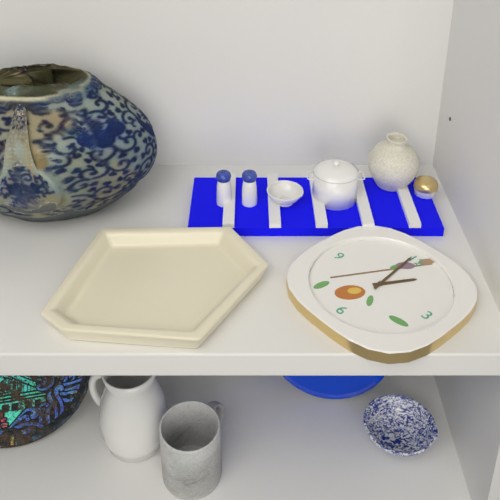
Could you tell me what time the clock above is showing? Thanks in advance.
12:59
